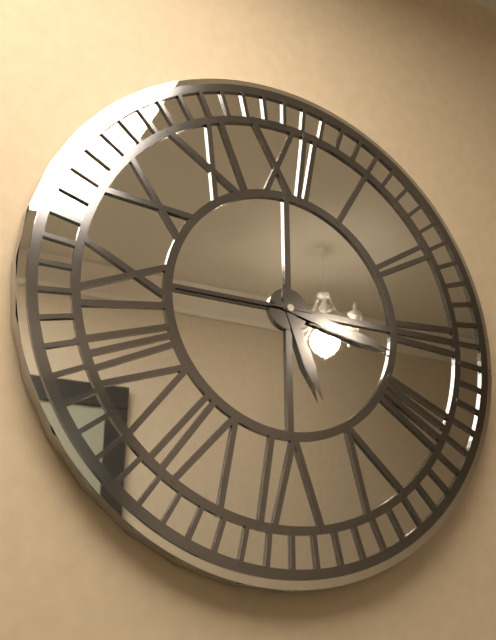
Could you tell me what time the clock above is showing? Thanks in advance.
5:17:45
